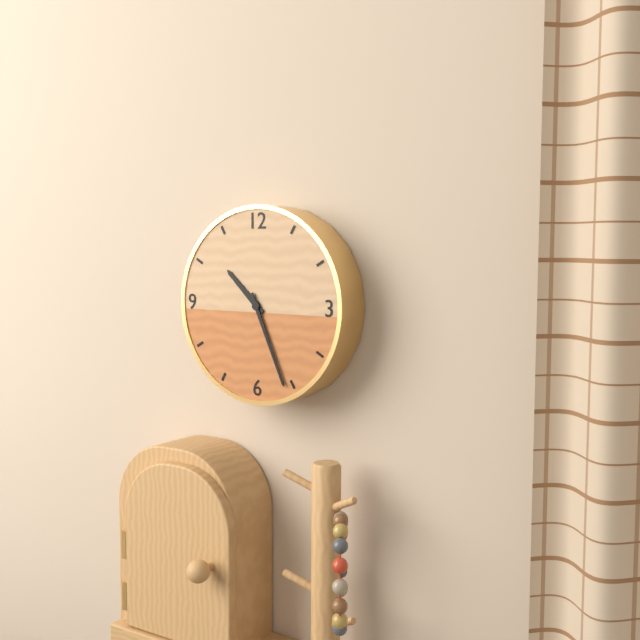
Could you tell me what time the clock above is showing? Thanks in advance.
10:26
